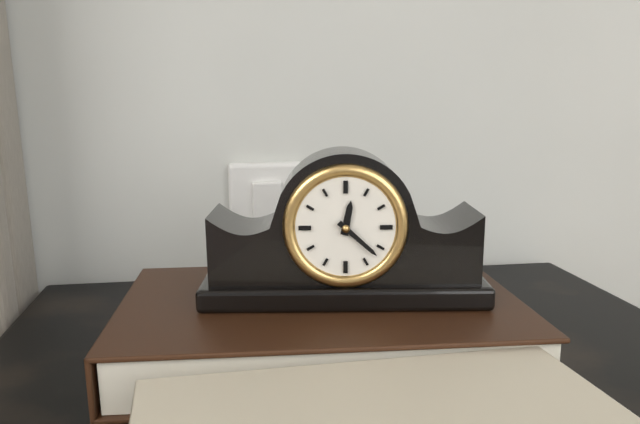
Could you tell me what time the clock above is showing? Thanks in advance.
12:22
